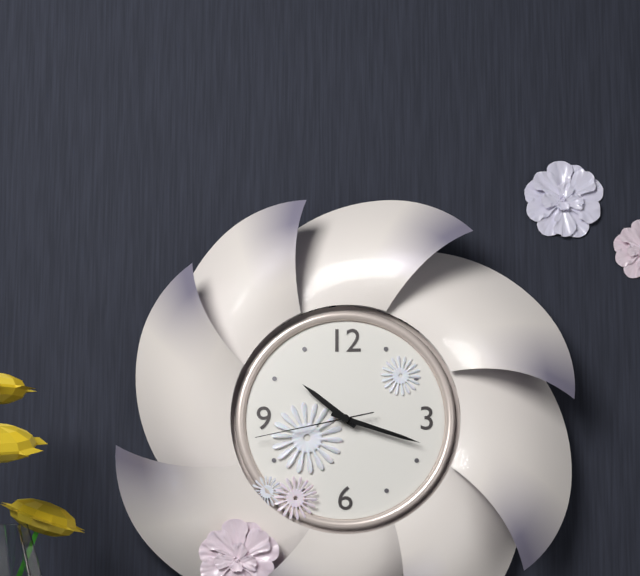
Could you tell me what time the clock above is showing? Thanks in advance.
10:18:43
